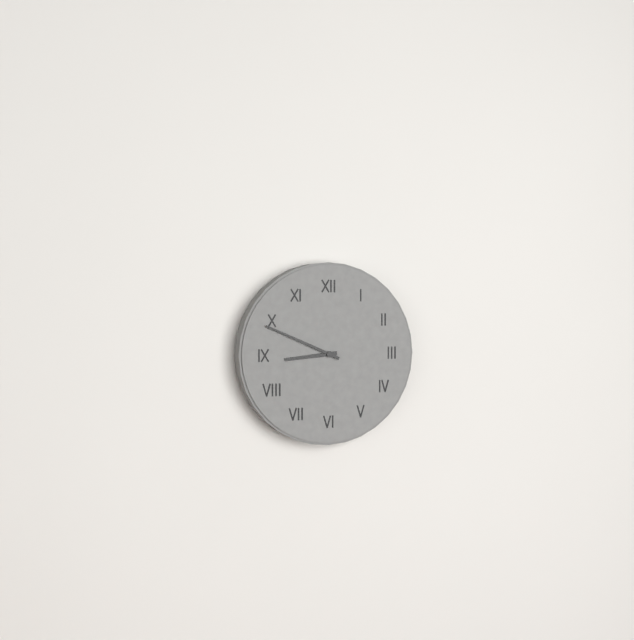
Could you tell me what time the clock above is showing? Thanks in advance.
8:49
